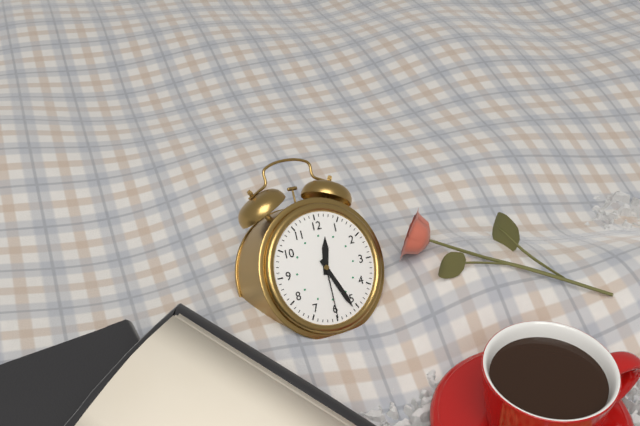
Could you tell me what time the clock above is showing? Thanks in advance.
12:26:30
